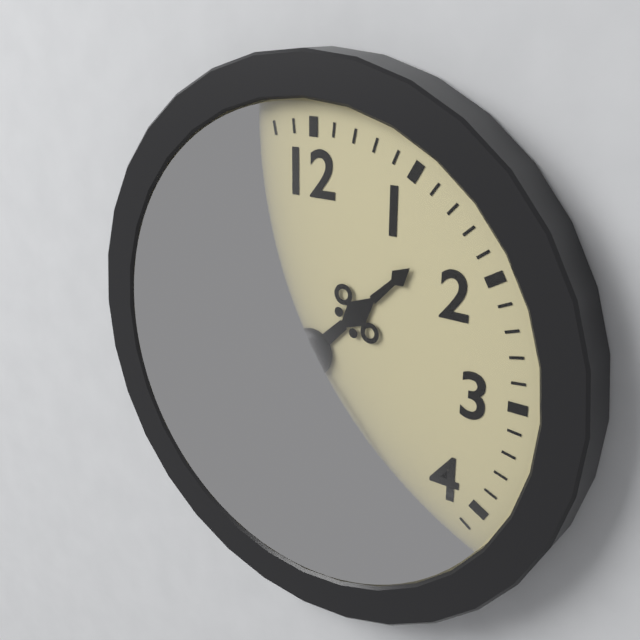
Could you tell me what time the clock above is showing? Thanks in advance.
1:32:23
